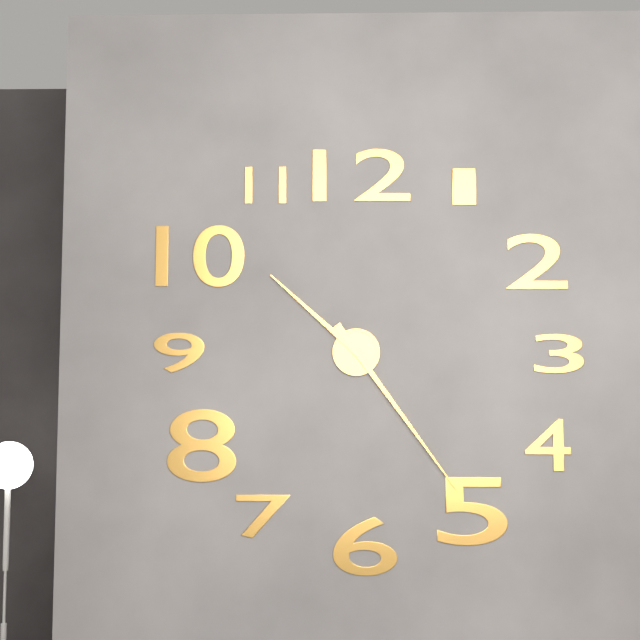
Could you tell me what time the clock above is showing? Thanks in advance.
10:24
